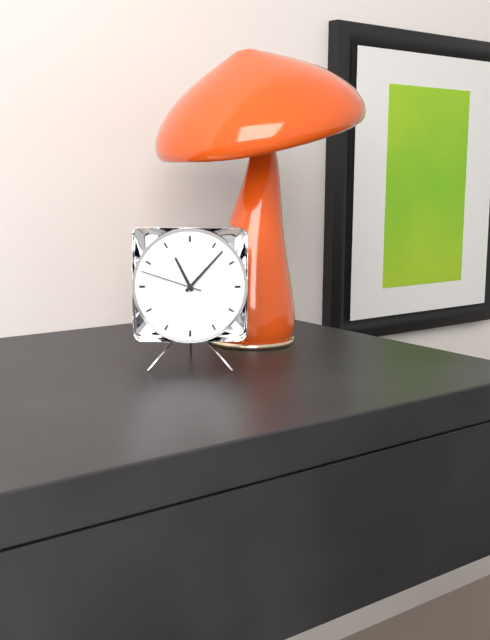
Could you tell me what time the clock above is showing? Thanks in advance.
11:07:48
